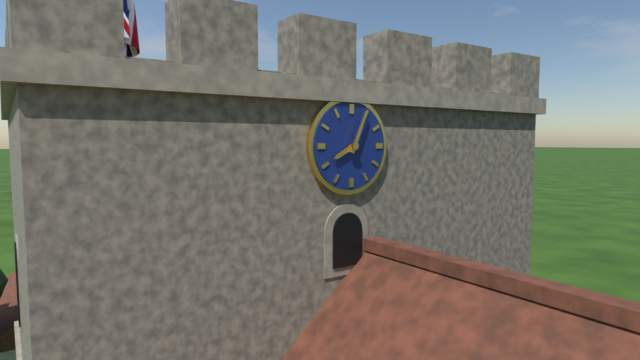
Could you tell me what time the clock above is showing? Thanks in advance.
8:04
